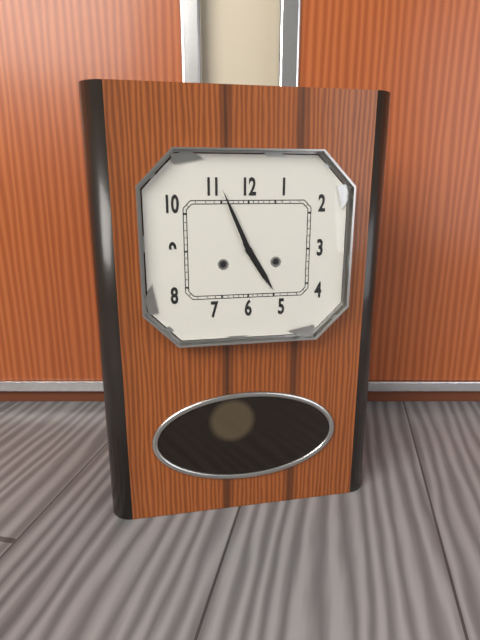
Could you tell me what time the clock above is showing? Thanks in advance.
4:56
